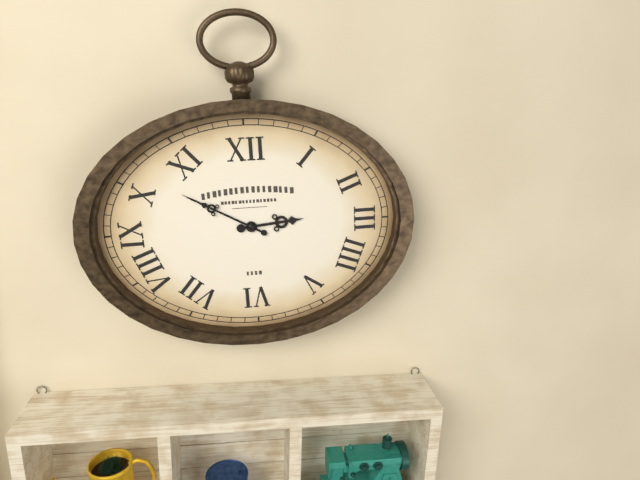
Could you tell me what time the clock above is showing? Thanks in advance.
2:50
